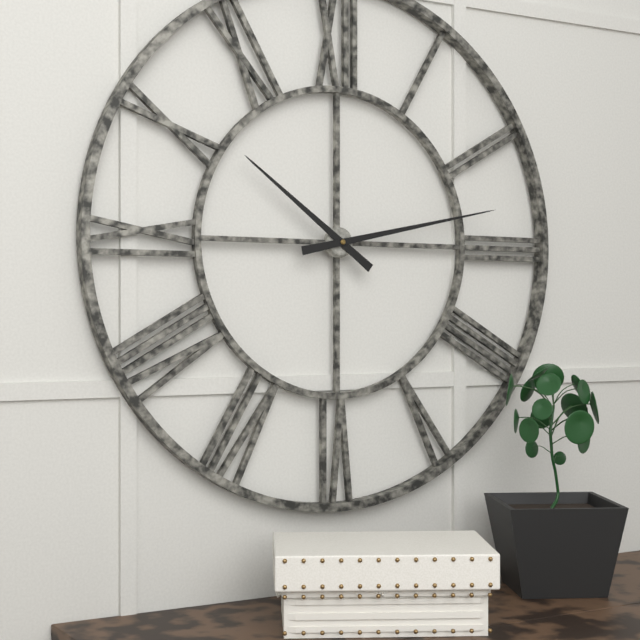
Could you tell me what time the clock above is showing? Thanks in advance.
10:13
